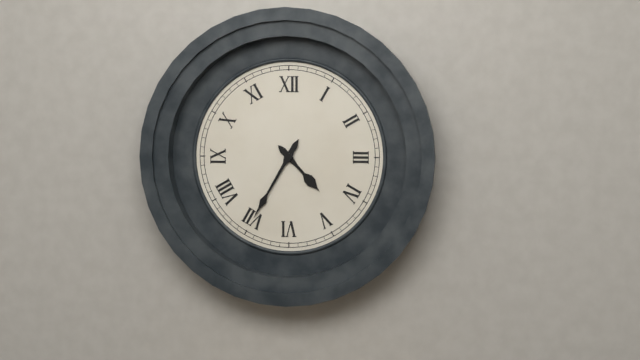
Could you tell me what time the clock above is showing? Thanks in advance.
4:35
